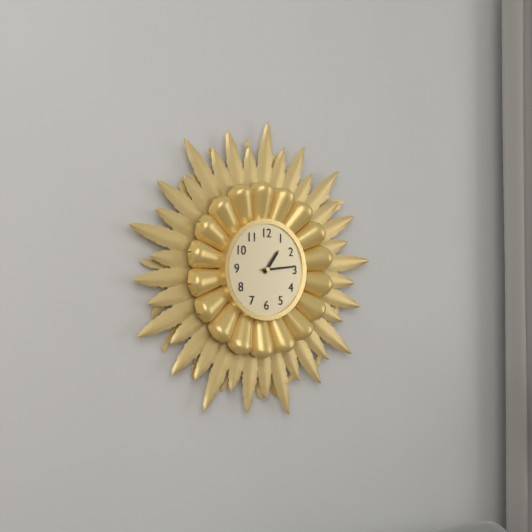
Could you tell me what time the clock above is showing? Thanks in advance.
1:14
